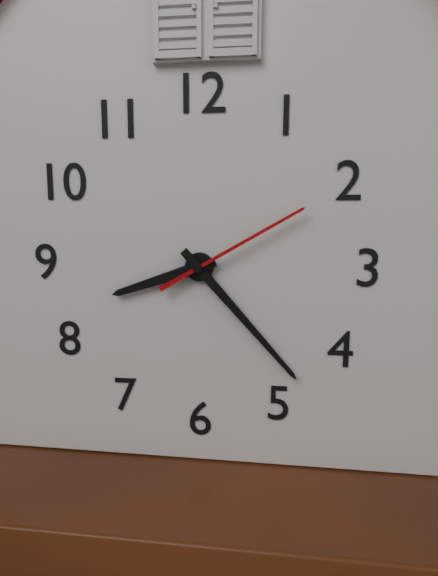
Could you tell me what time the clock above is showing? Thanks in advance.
8:23:10
